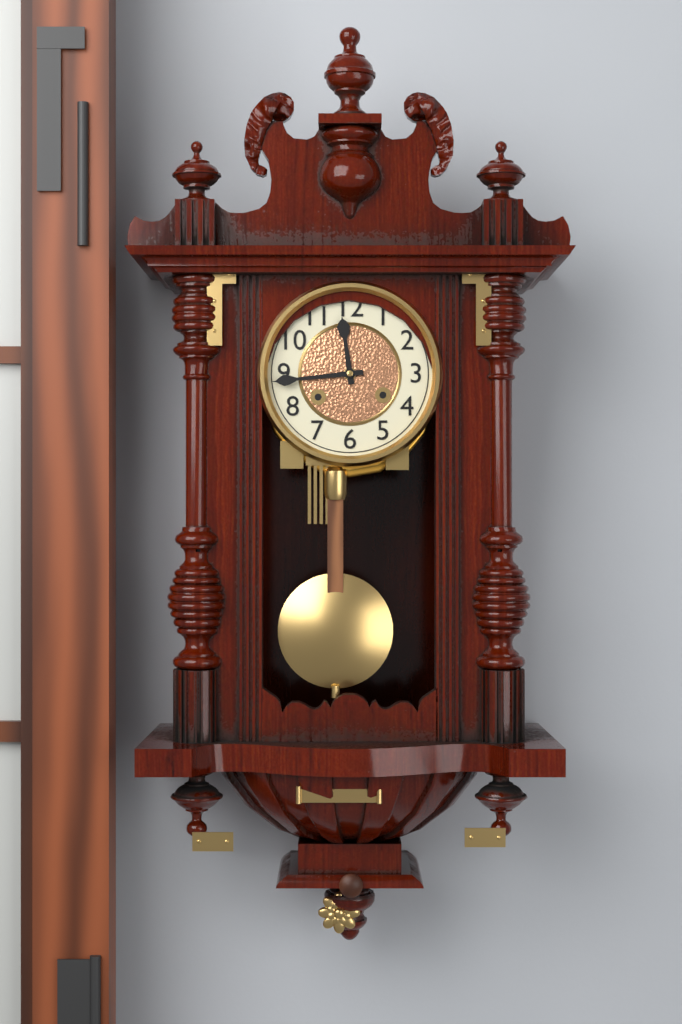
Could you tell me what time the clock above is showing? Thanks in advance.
11:44
